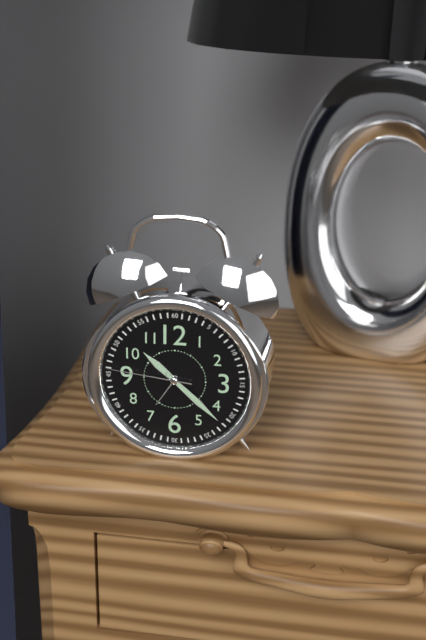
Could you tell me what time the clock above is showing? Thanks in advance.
10:22:46
